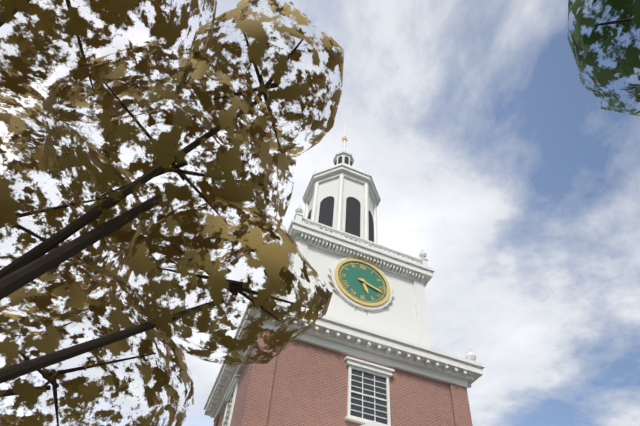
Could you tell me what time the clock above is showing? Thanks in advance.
5:18
